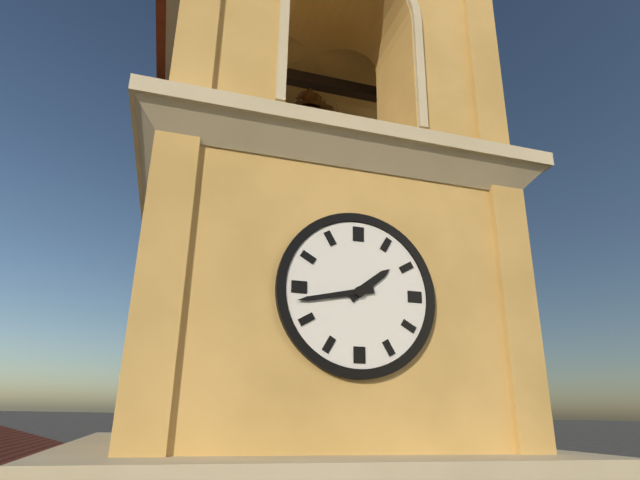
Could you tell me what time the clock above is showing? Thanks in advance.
1:43
